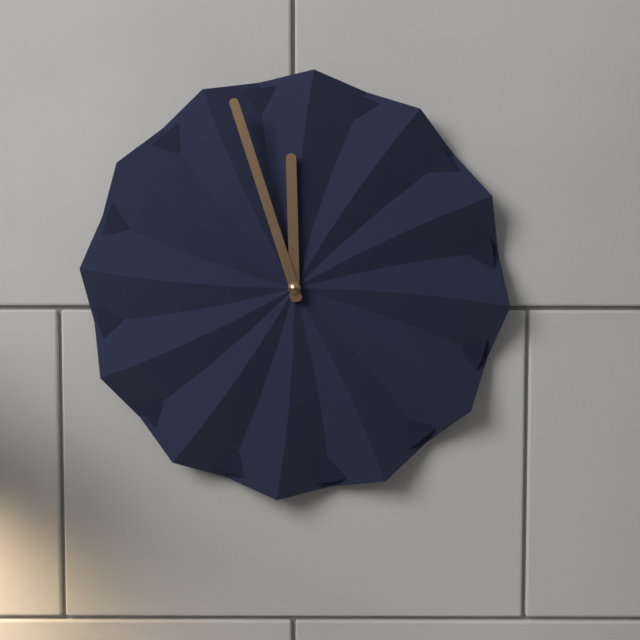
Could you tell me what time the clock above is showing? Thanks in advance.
11:57
